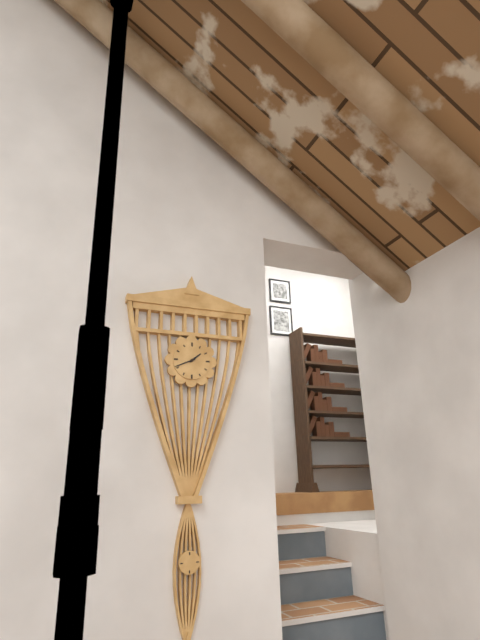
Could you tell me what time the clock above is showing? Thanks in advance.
1:41
